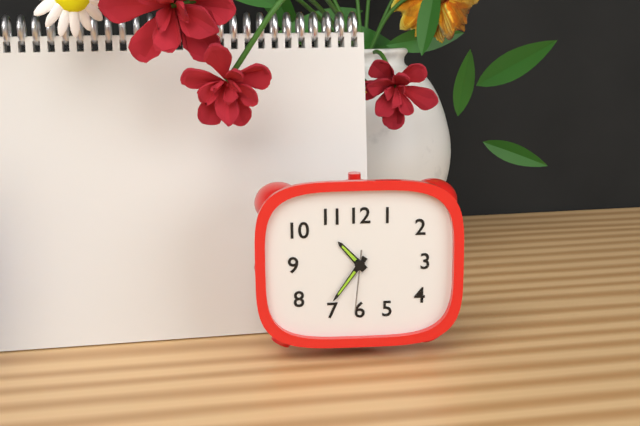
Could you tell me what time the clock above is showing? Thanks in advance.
10:36:31
